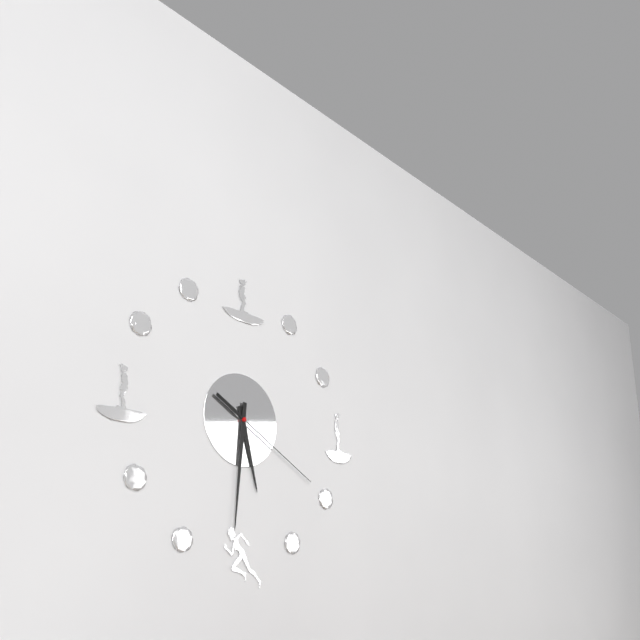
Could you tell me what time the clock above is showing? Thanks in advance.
5:31:20
